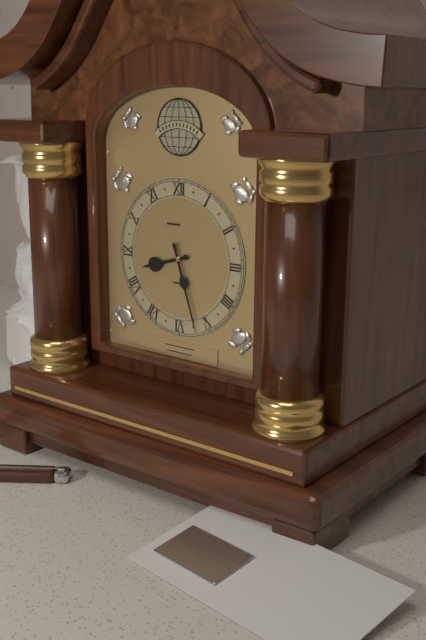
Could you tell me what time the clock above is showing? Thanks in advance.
8:27
